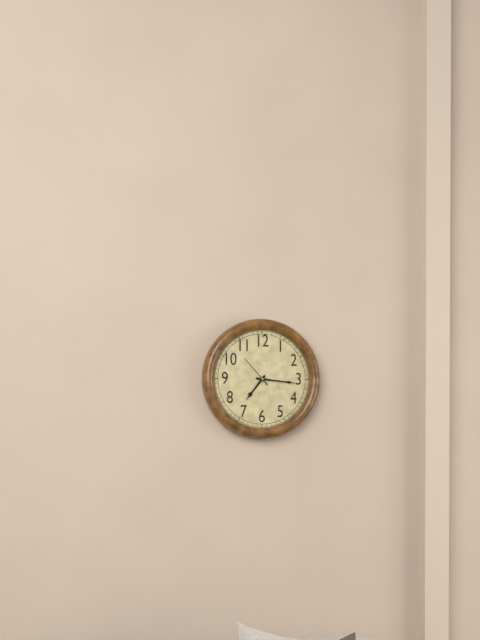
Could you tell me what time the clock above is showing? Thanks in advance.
7:16
